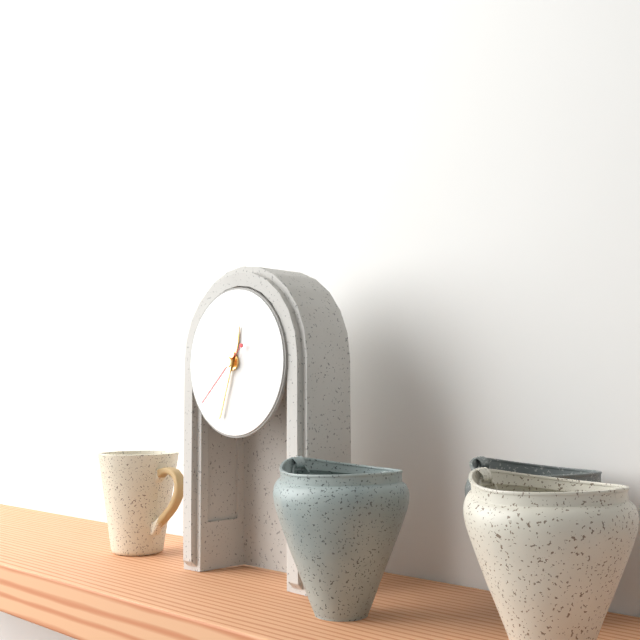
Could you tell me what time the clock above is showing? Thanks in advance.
12:33:38
